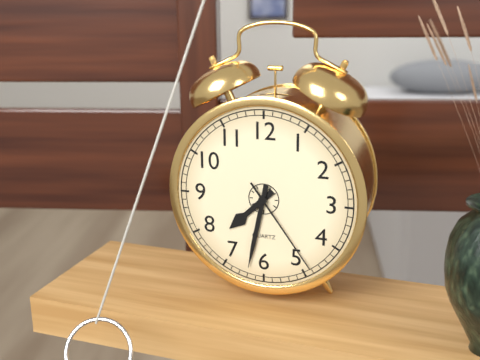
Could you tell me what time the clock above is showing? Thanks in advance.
7:32:24
